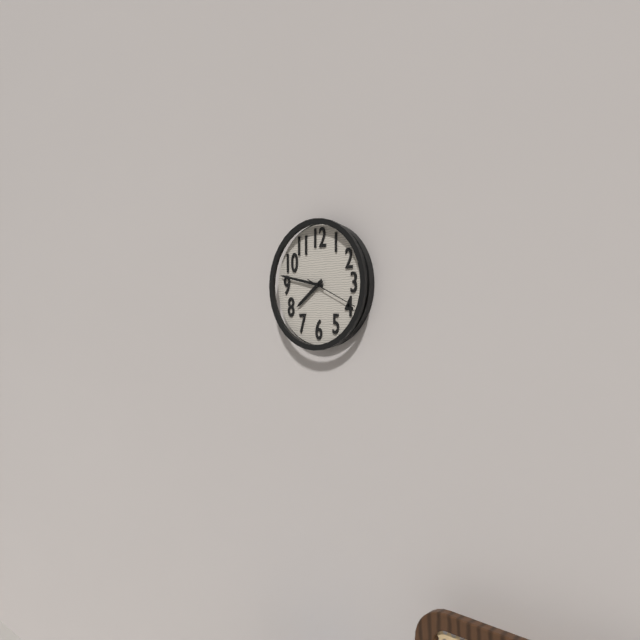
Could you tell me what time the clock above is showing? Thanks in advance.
7:47
